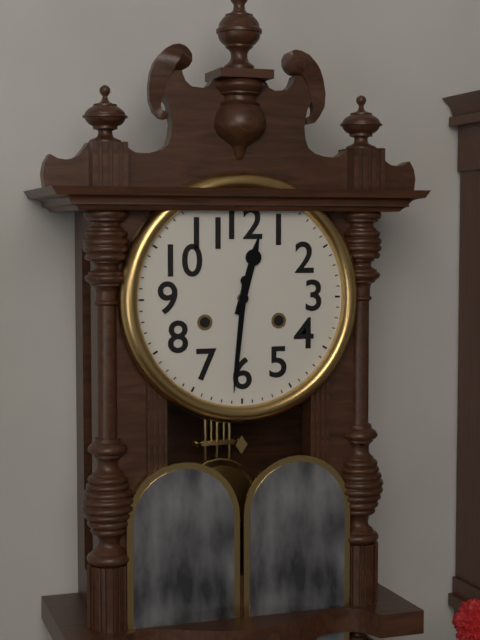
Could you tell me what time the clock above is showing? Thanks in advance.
12:31
